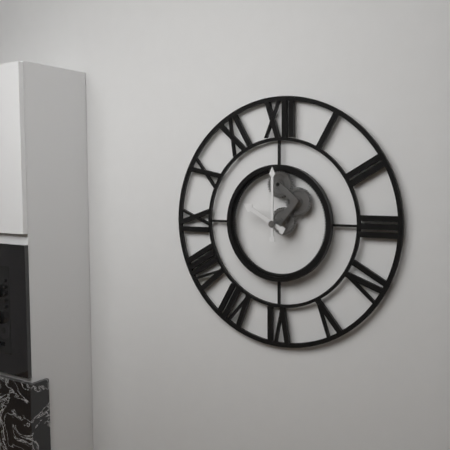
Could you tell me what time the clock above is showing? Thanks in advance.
10:00
